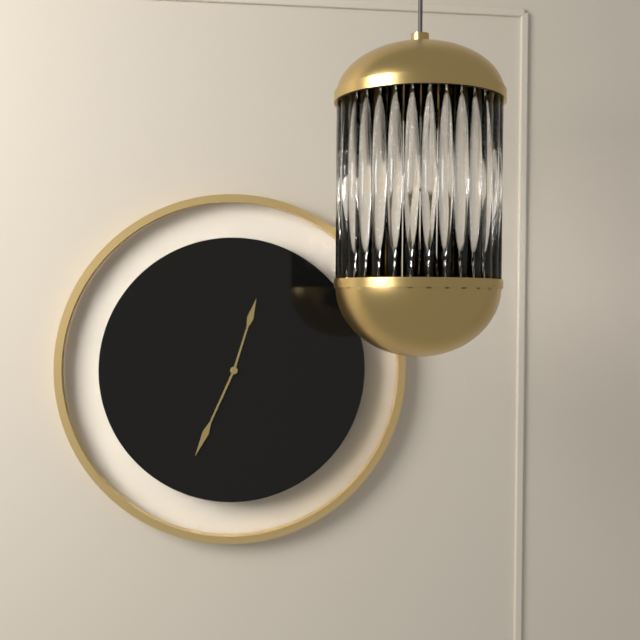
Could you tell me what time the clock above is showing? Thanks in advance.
12:34
